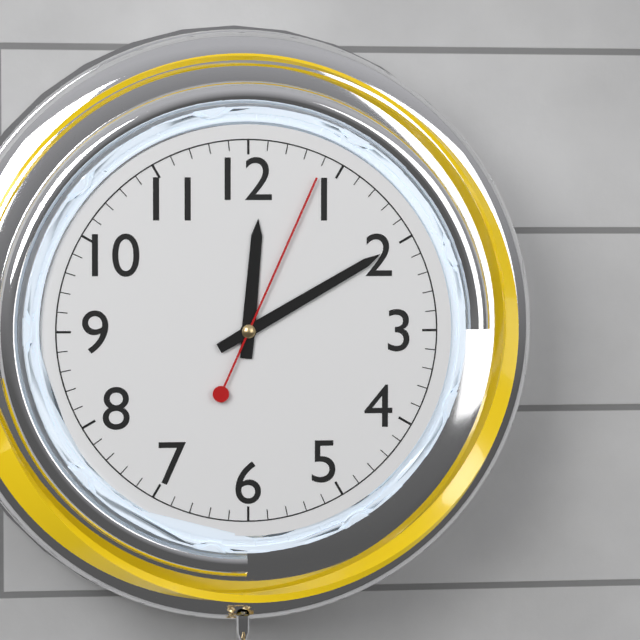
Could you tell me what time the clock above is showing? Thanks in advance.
12:10:04
